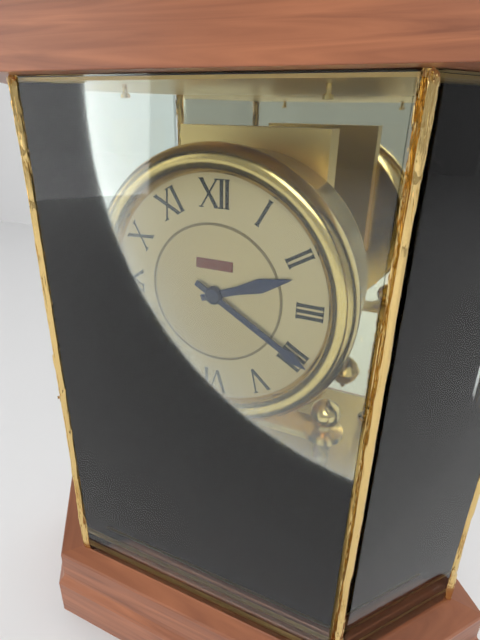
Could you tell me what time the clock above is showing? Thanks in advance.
2:20
